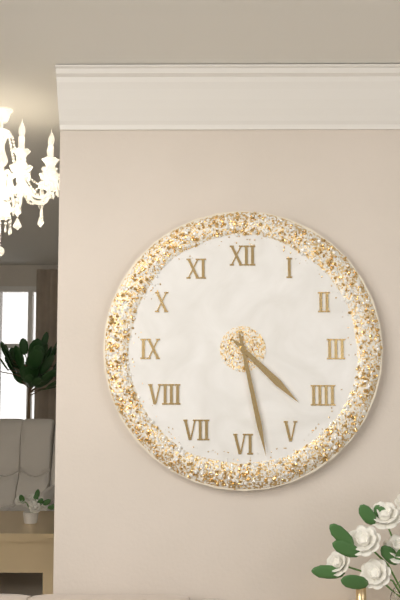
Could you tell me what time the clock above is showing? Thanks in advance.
4:28
